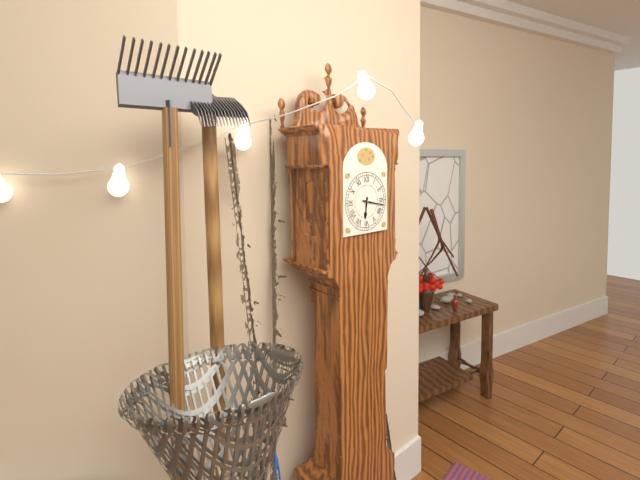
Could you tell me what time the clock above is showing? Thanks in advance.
6:17
